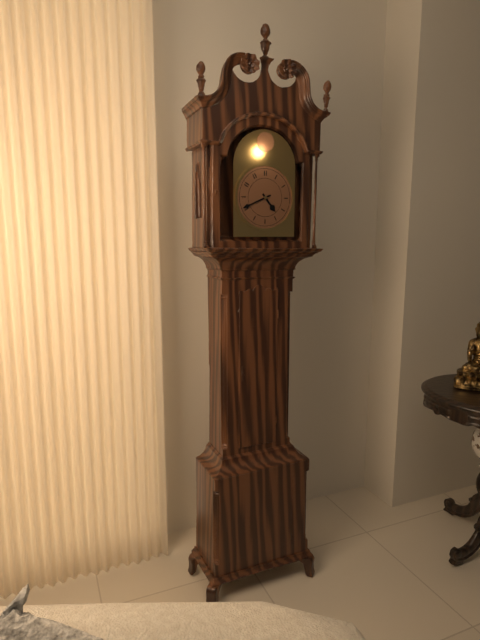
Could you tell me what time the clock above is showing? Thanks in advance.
4:41
